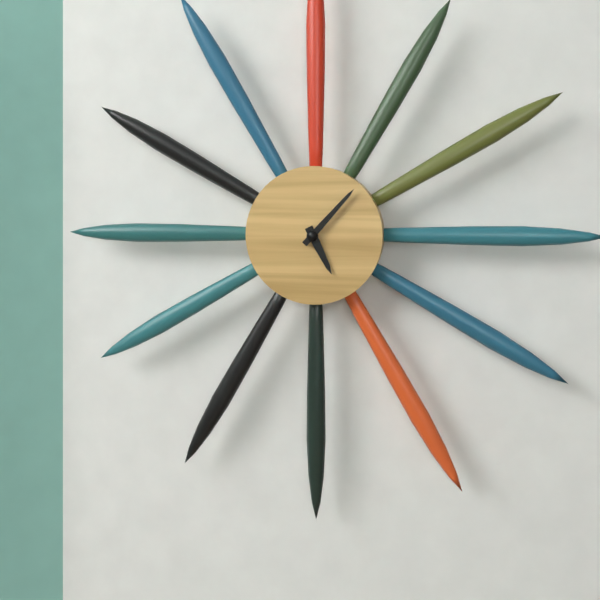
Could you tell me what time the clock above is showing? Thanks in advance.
5:07
